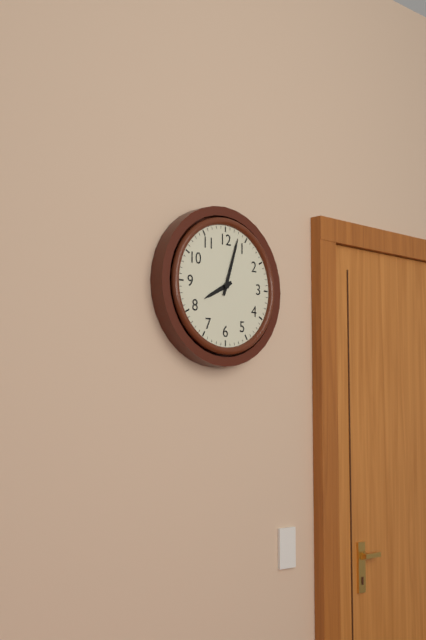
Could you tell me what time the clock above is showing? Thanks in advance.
8:03
